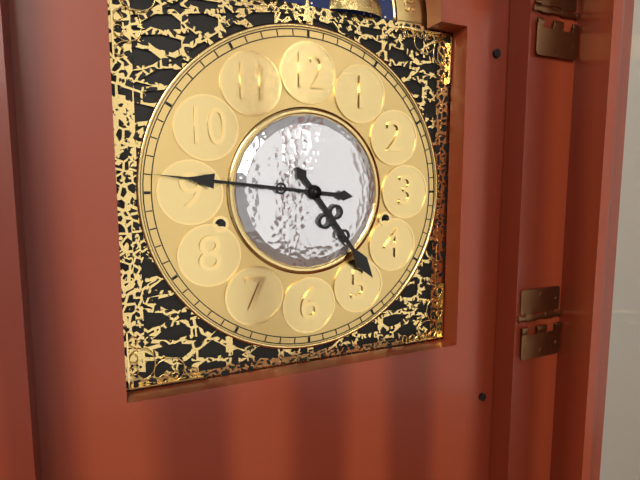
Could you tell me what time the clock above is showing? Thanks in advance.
4:46
